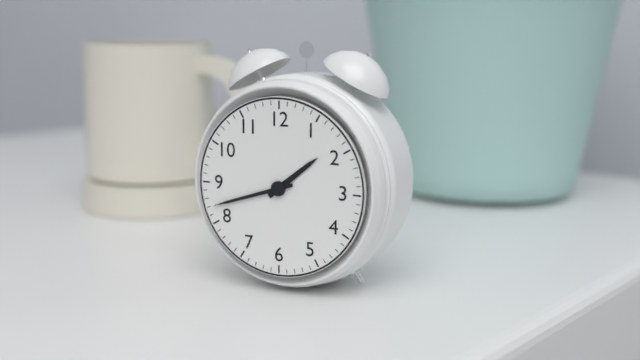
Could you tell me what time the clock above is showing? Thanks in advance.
1:42
